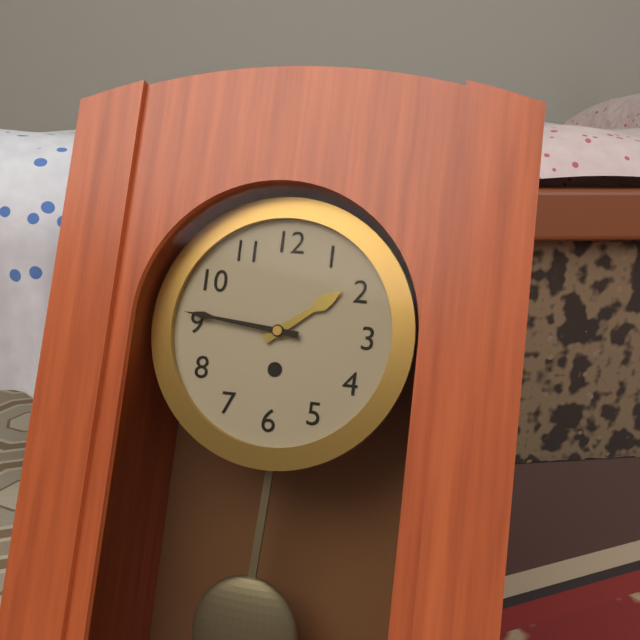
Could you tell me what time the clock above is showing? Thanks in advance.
1:46
